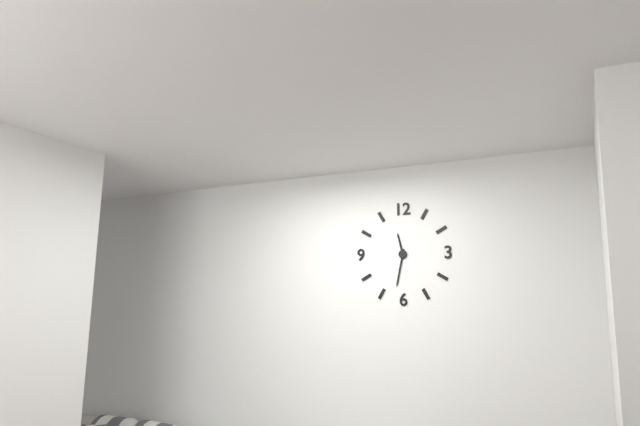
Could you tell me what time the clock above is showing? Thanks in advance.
11:32
